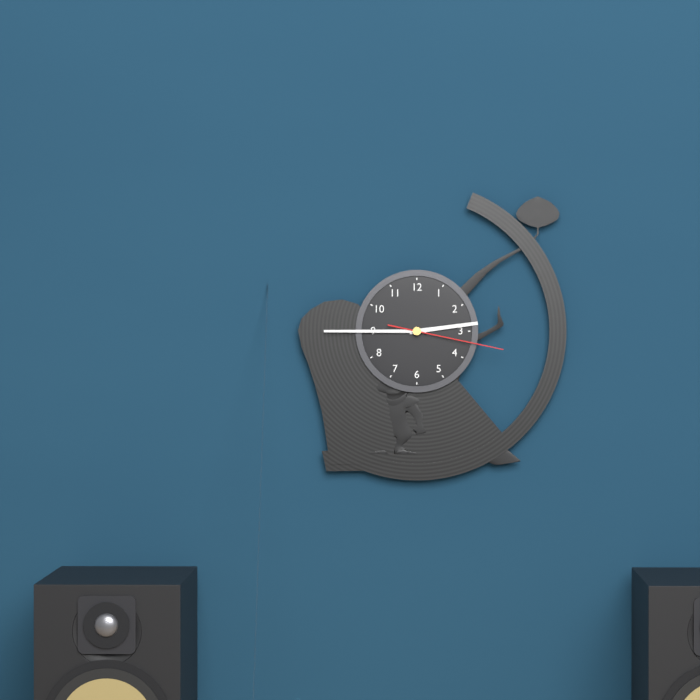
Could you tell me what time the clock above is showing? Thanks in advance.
2:45:17
